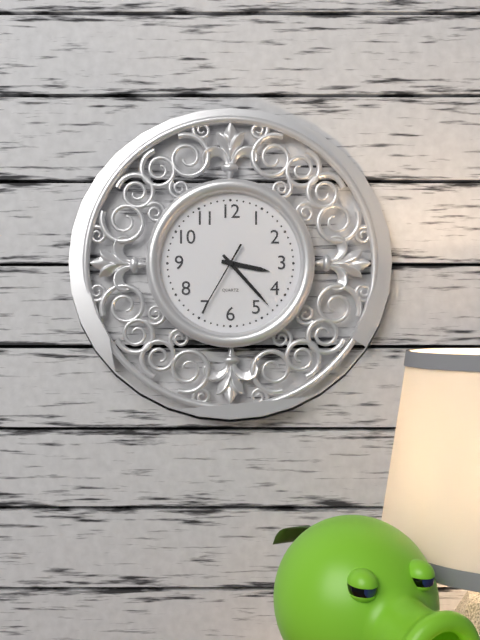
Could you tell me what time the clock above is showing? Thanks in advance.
3:23:35
